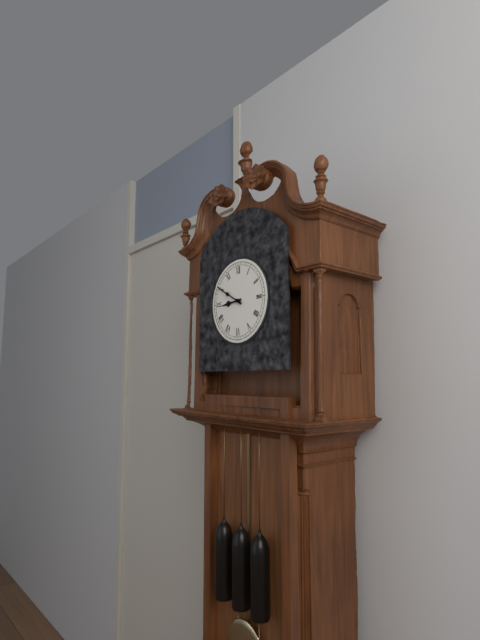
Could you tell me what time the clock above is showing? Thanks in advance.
8:50
